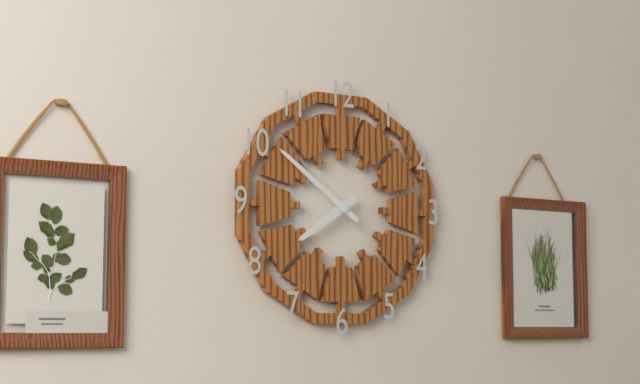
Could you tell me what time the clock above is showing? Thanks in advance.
7:51
